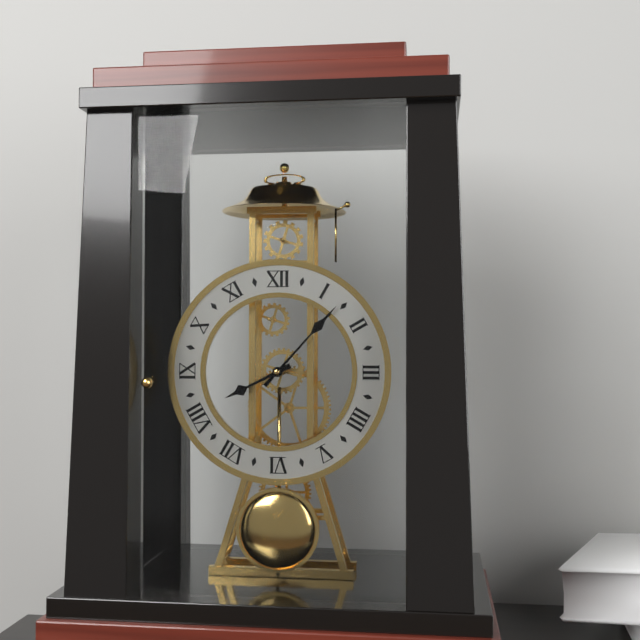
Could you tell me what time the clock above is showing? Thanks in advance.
8:07
